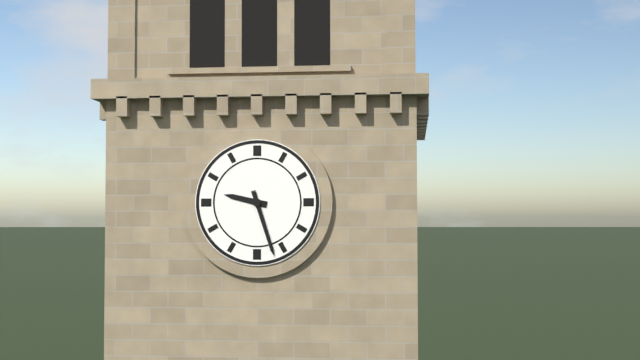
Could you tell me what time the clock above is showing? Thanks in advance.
9:27
